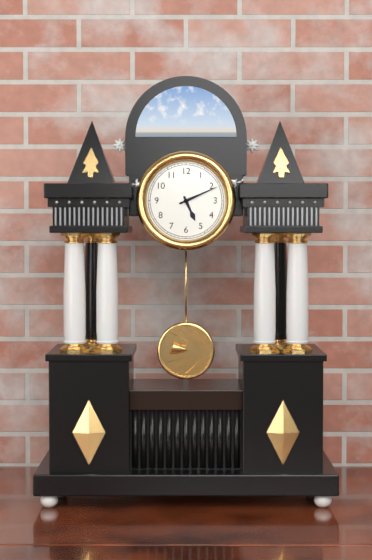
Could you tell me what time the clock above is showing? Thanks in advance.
5:11
